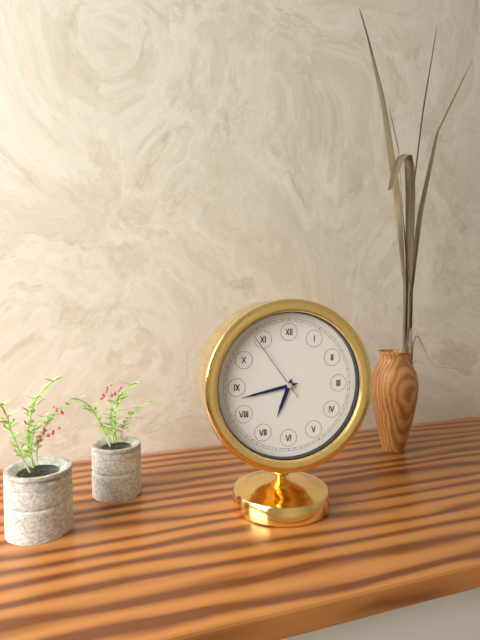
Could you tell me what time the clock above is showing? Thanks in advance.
6:43:54
